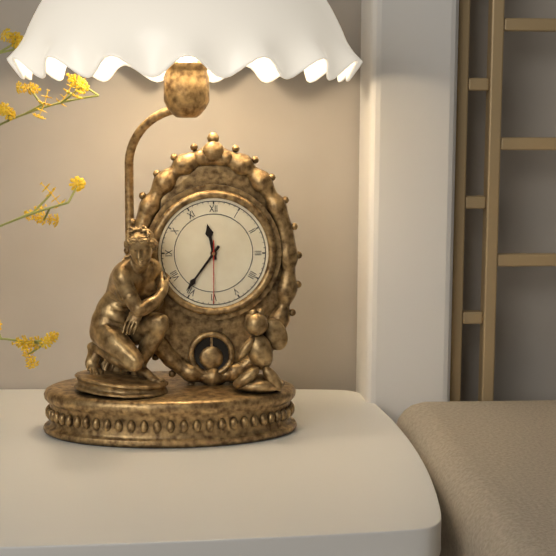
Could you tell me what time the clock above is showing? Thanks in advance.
11:36:30
